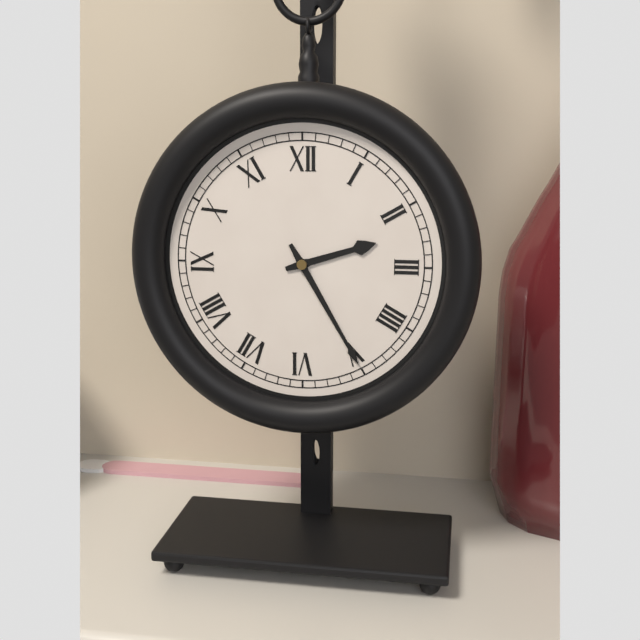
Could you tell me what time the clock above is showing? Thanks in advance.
2:25
